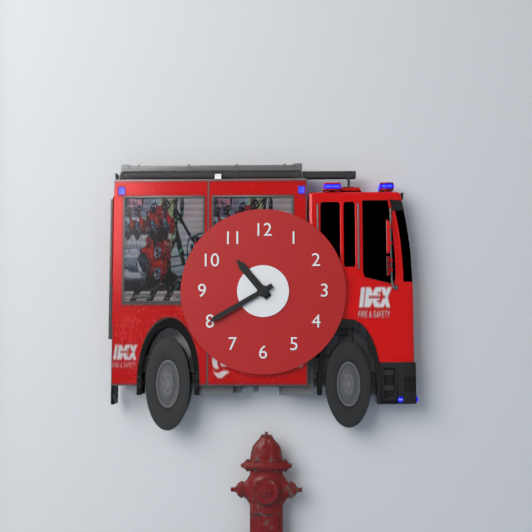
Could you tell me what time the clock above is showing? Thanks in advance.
10:40
